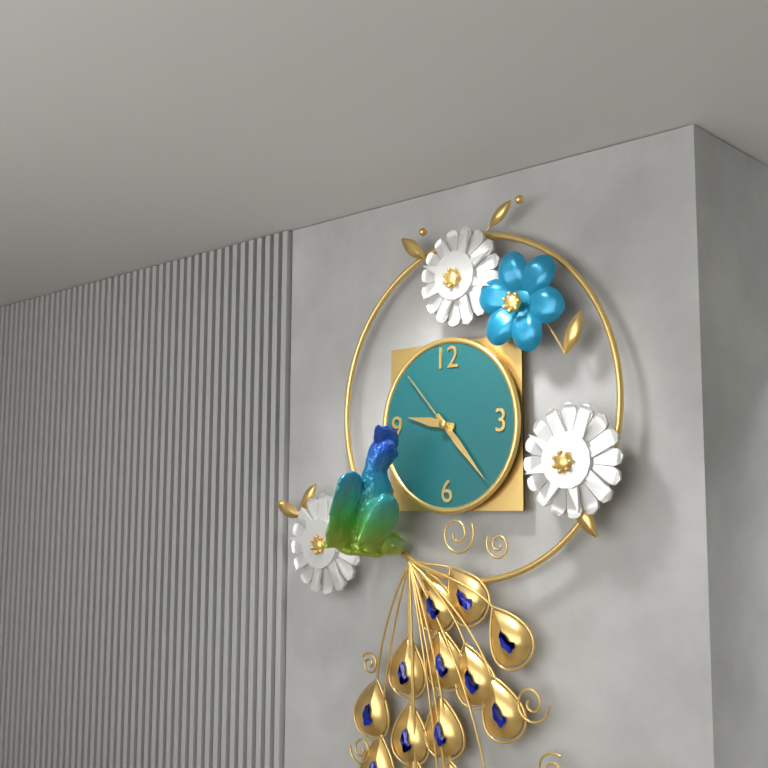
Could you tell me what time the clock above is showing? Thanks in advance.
9:23:53
